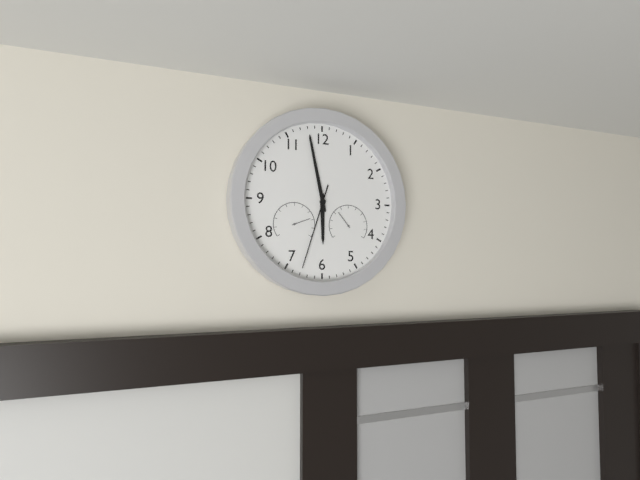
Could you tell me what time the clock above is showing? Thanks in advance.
5:58:33
